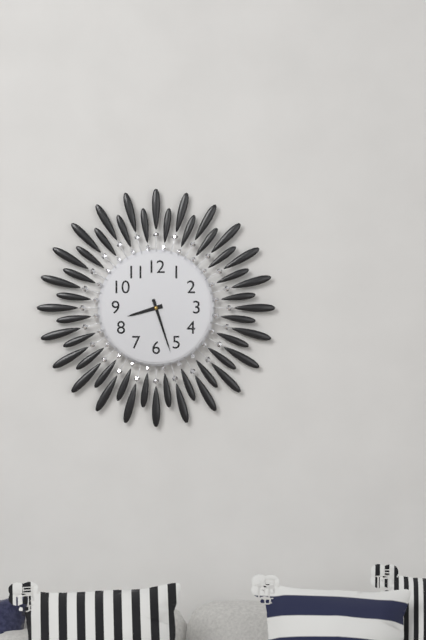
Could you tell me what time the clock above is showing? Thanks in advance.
8:27
